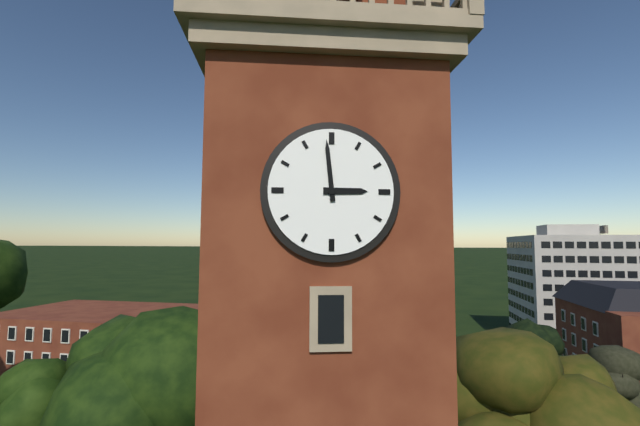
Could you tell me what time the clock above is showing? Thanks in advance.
2:59
